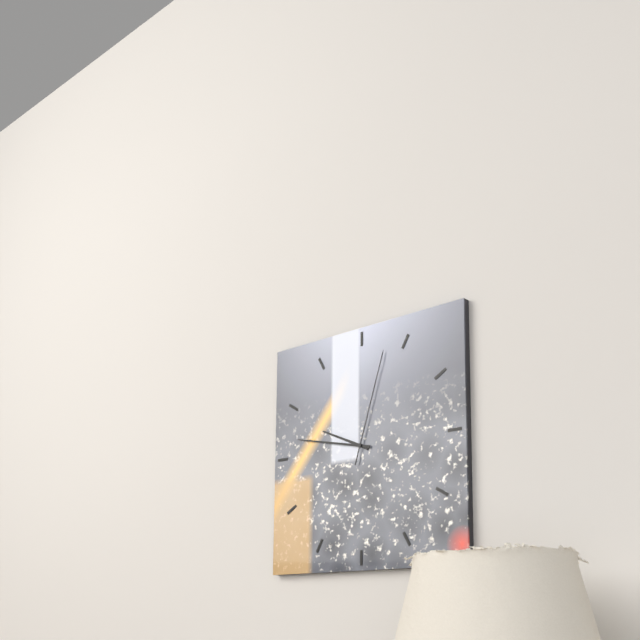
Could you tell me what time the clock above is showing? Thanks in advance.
9:47:03
